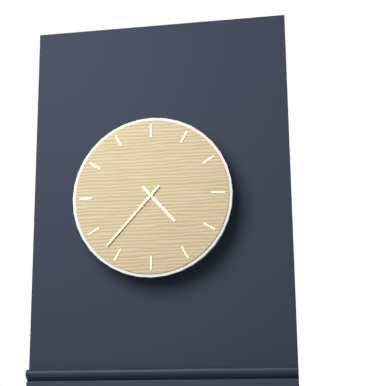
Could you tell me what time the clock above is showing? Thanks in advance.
4:37
